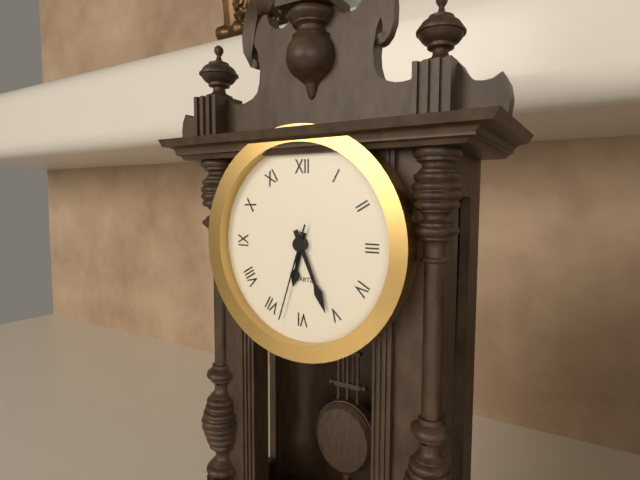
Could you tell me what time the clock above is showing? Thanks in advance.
6:26:33
